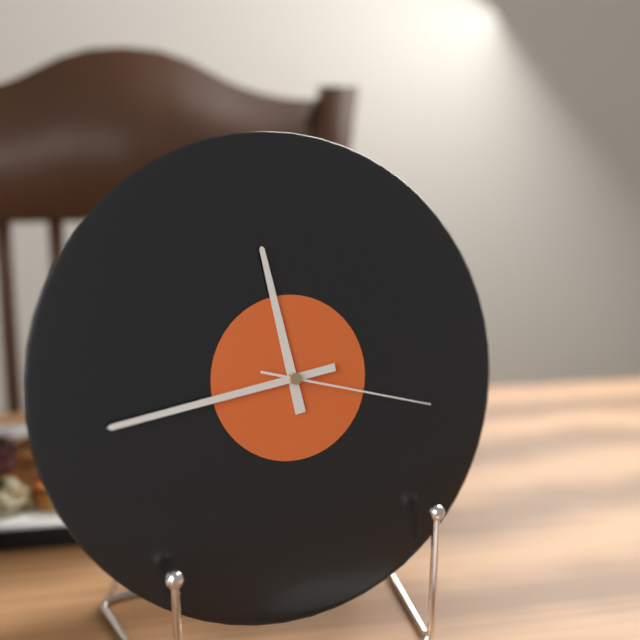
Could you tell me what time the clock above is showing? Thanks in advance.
11:44:18
